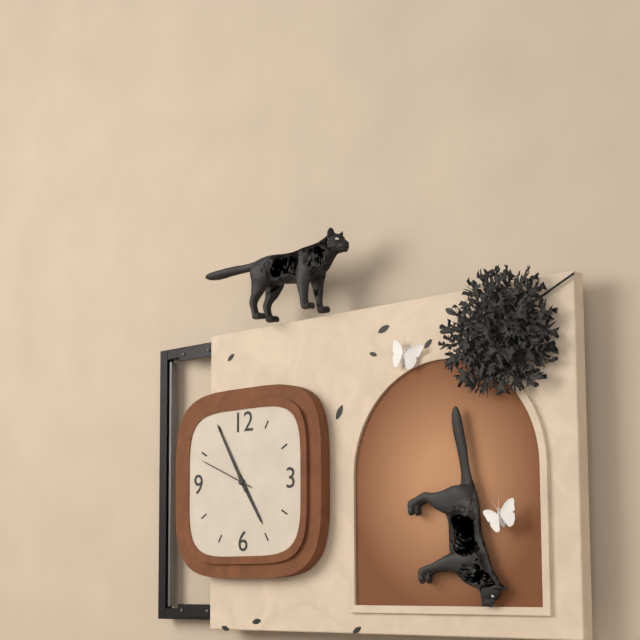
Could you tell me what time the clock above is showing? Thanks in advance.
4:55:49
